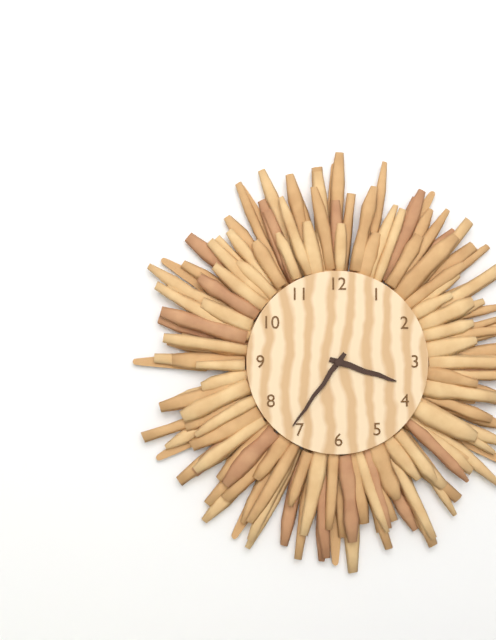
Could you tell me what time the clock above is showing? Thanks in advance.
3:36
